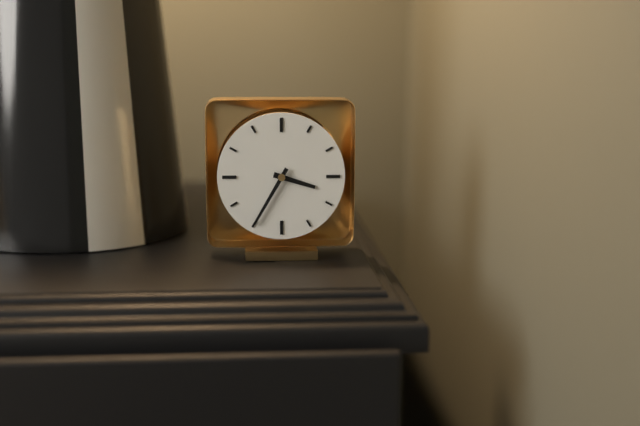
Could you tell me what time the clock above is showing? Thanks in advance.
3:35
